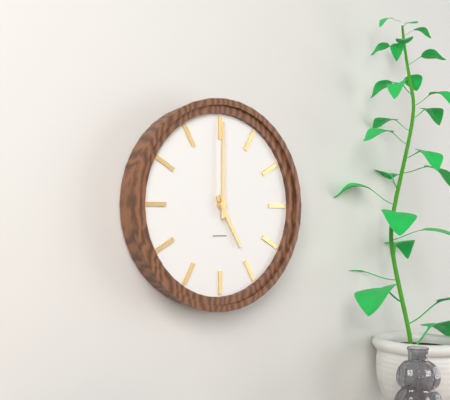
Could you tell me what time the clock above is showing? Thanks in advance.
5:00
